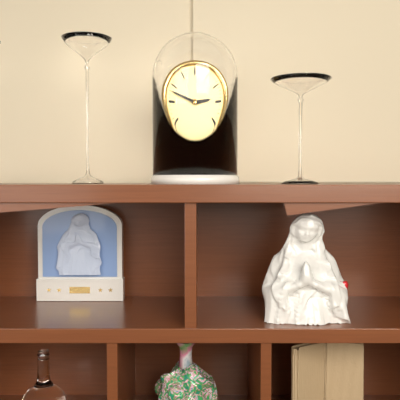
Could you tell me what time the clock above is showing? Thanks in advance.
2:48
